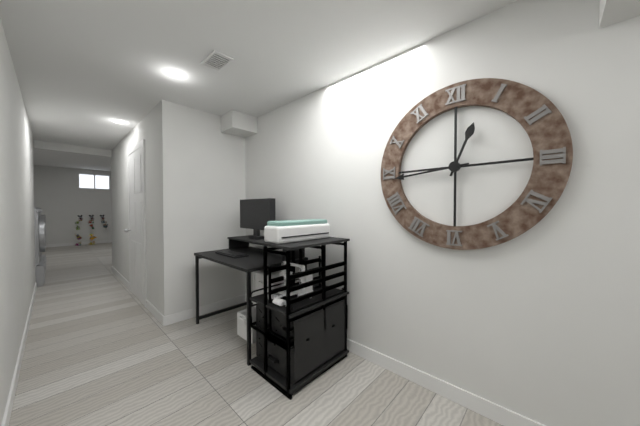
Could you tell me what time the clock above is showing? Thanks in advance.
12:44
